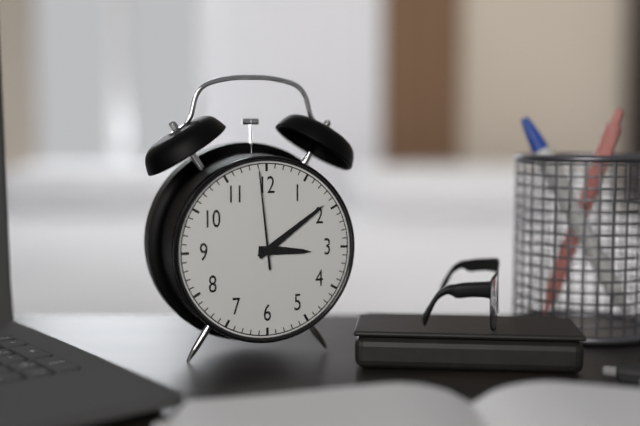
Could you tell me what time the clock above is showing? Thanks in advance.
3:09:59
